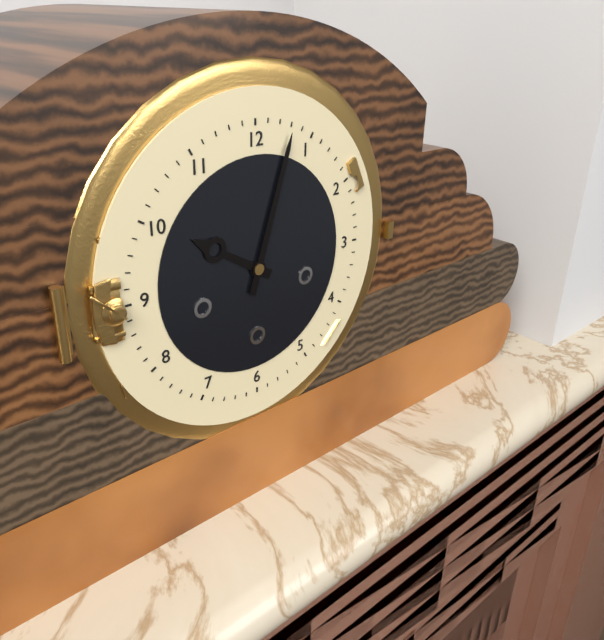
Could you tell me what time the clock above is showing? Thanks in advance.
10:03
